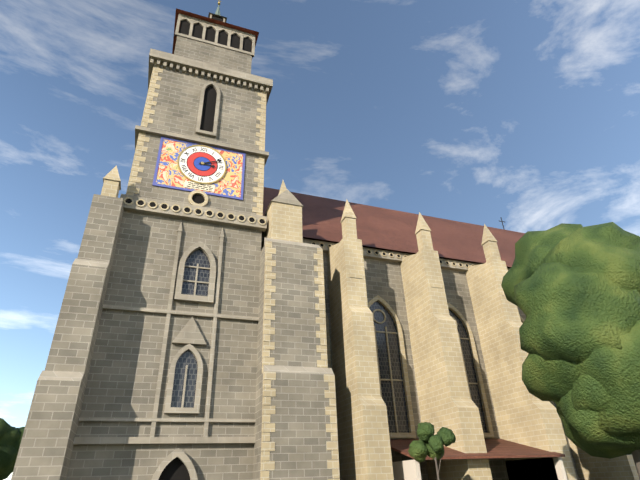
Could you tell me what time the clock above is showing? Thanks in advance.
3:11
